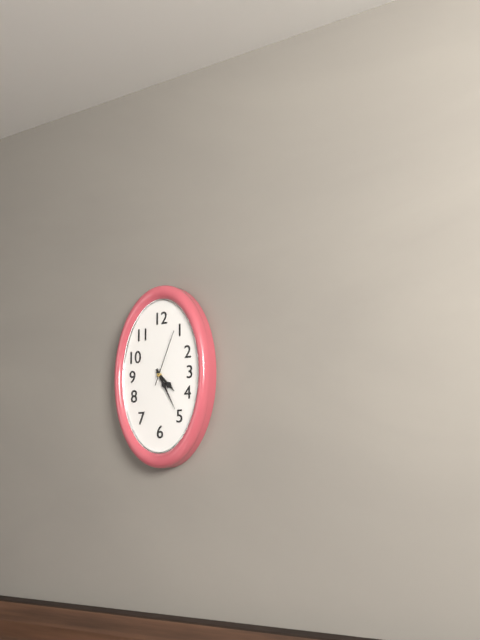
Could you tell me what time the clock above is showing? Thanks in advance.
4:25:04
